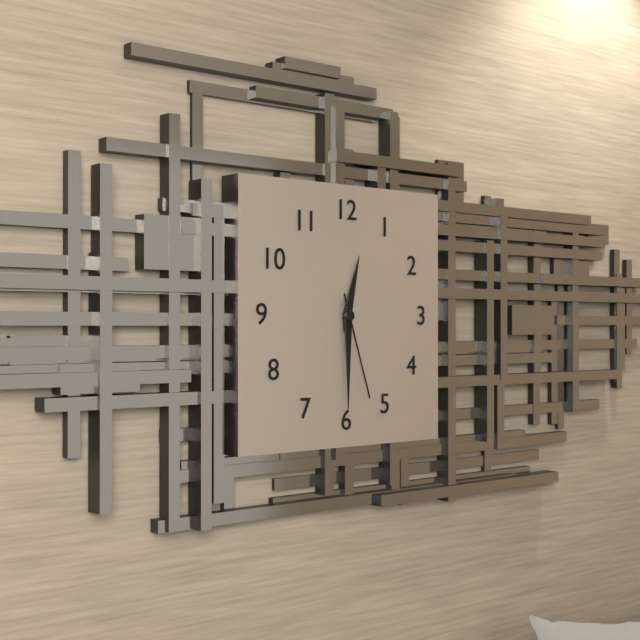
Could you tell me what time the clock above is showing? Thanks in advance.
12:30:27
